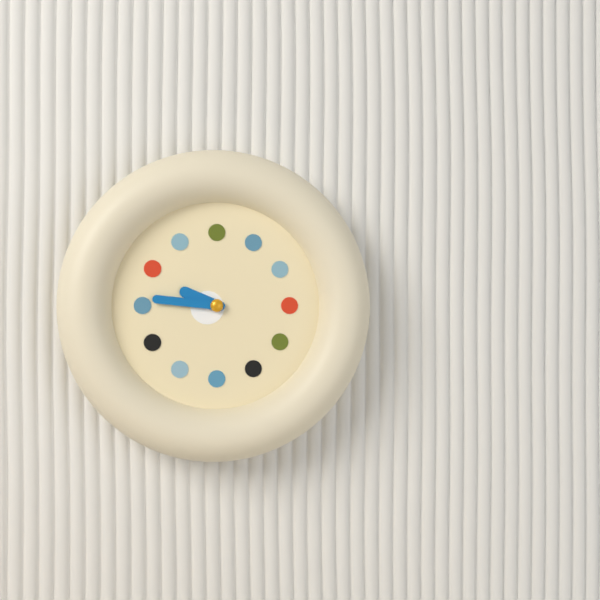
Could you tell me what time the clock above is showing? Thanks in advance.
9:46
